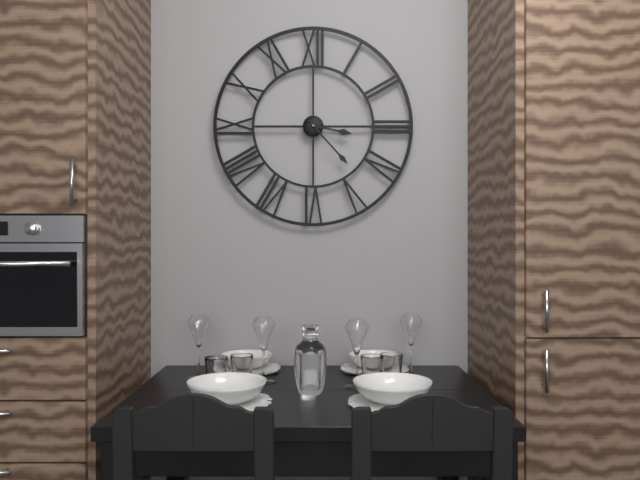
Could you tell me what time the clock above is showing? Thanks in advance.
3:23
